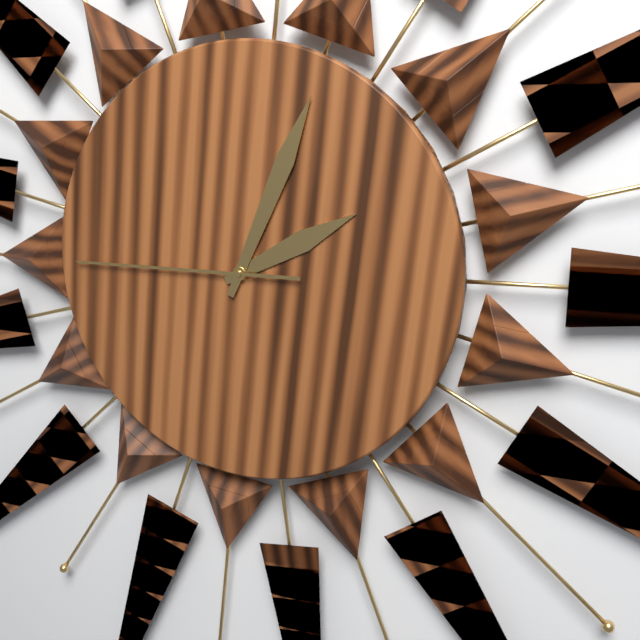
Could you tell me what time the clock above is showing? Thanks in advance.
2:04:45
